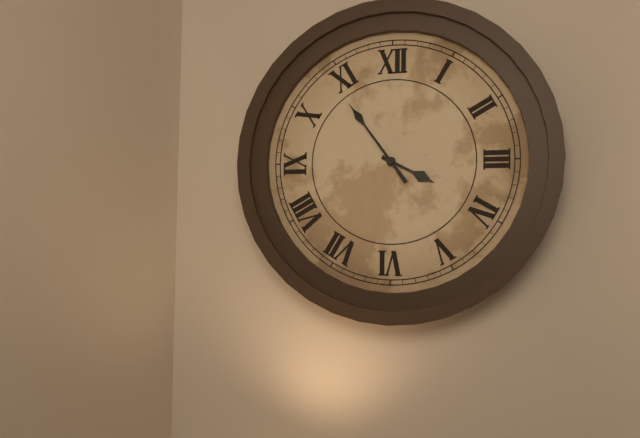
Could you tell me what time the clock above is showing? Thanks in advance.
3:54
